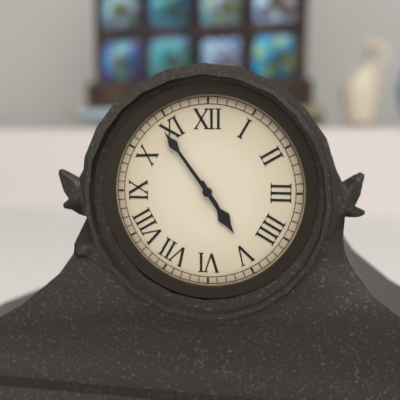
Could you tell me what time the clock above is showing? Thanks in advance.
4:54
